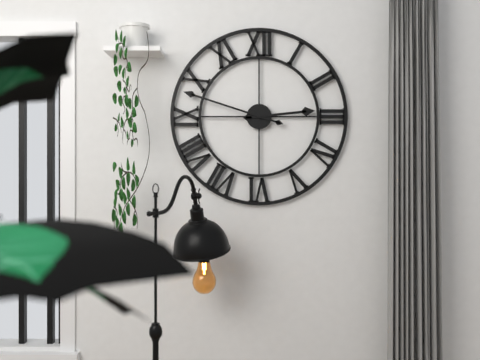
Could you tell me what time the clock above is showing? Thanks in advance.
2:48
